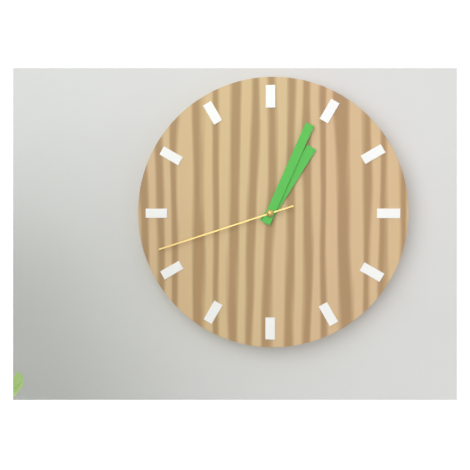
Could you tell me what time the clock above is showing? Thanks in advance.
1:04:42
